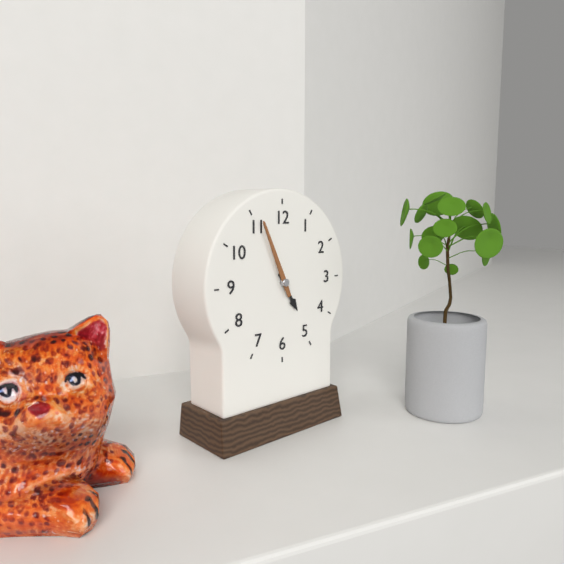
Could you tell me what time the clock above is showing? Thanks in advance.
4:56
